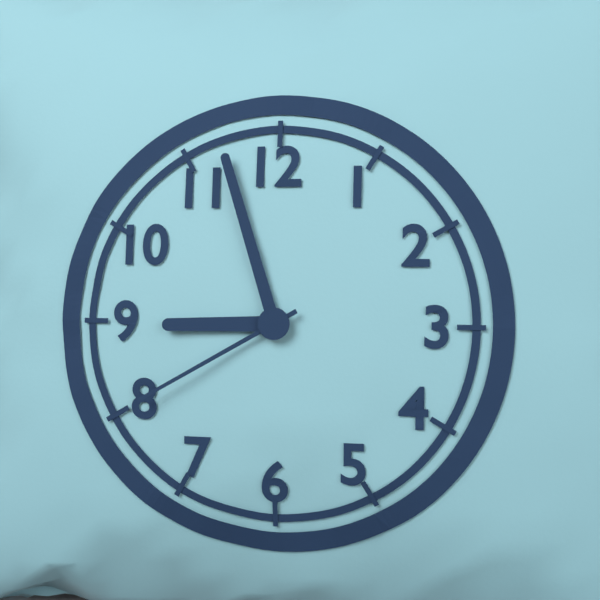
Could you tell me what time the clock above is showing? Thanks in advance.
8:57:40
